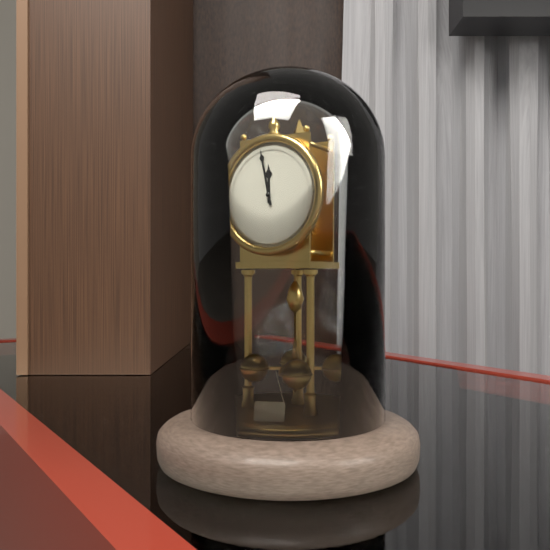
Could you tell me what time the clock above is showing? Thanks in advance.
11:58
